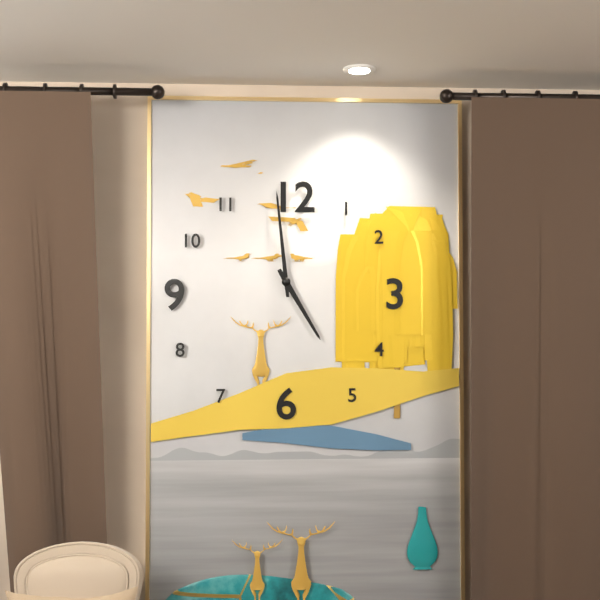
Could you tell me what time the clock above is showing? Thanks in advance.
4:59
